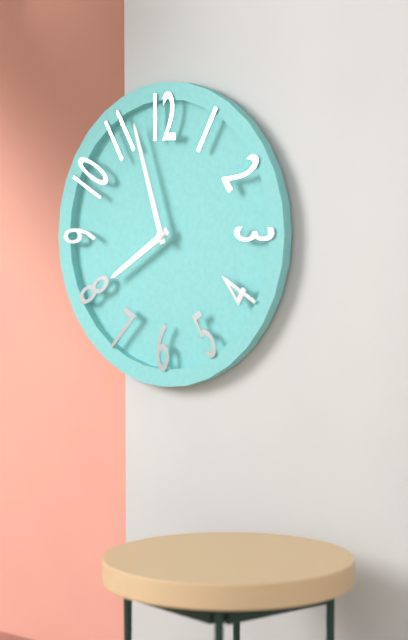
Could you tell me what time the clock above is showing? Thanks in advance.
7:57
